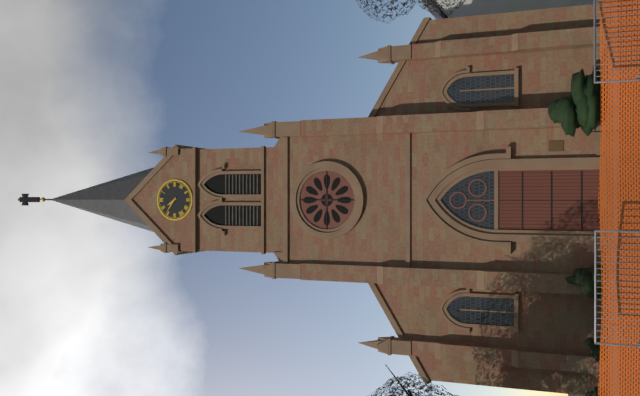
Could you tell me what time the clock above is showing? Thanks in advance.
10:51
